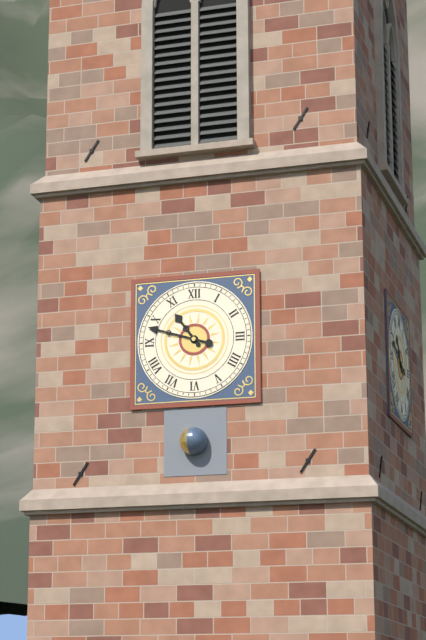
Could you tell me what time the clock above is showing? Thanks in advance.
10:48
